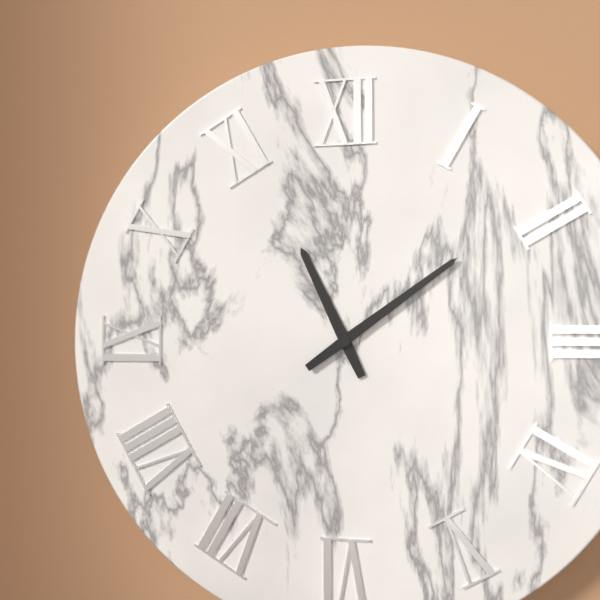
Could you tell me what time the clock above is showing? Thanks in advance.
11:09
